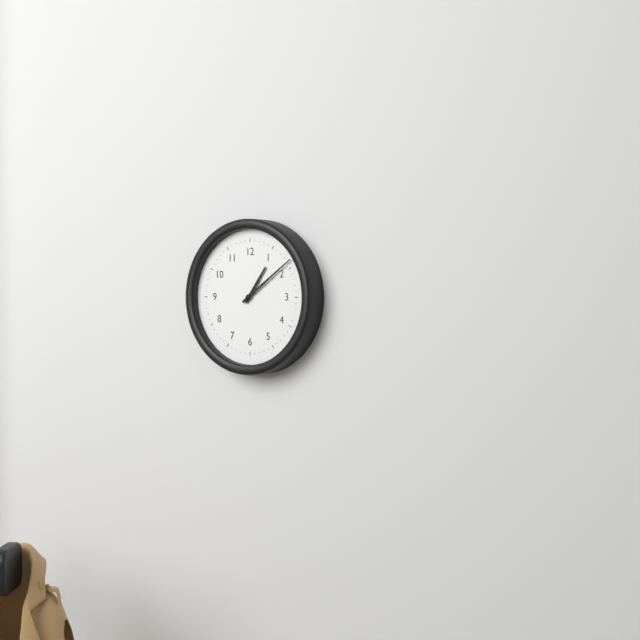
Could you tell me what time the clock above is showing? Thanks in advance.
1:09
